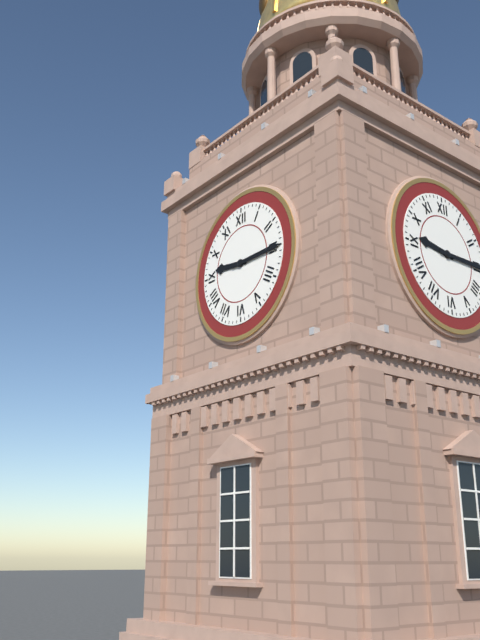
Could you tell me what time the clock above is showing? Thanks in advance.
9:15
